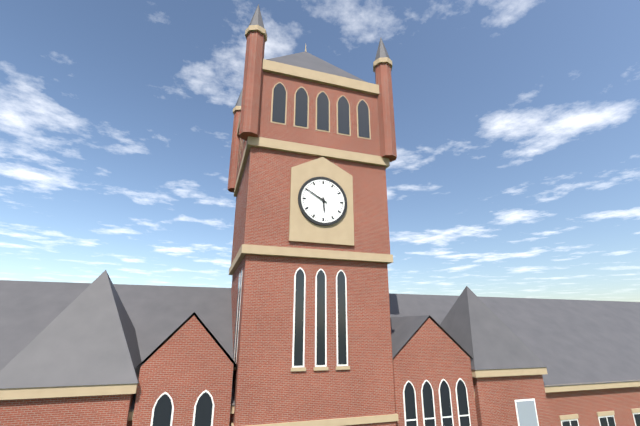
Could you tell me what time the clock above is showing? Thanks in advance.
5:50
